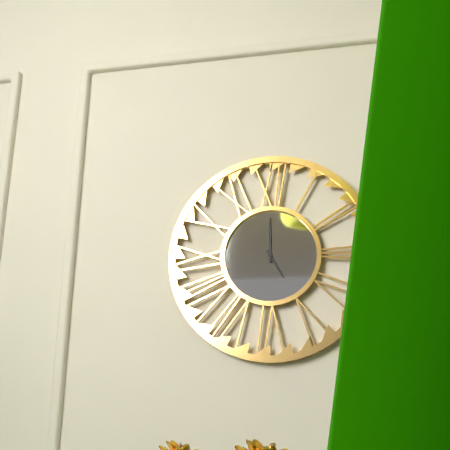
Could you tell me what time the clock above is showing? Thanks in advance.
5:00
